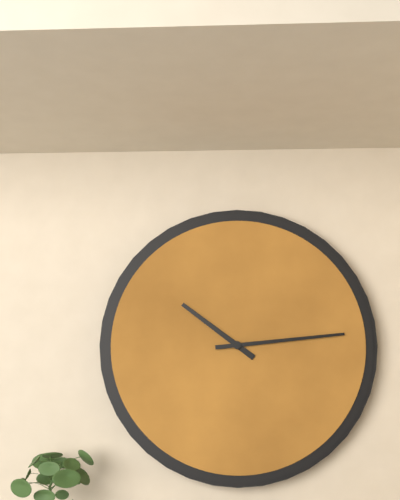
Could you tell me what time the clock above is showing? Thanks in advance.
10:14
